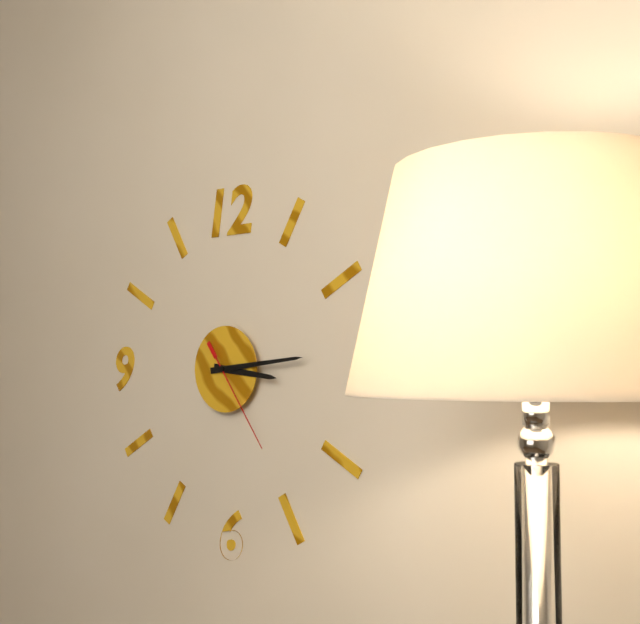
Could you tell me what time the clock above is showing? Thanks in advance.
3:14:24
